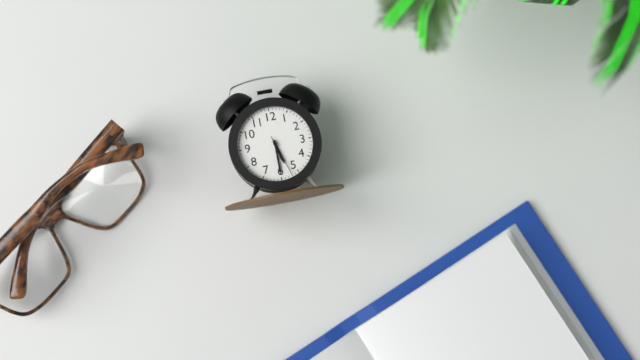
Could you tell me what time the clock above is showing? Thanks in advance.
5:30
